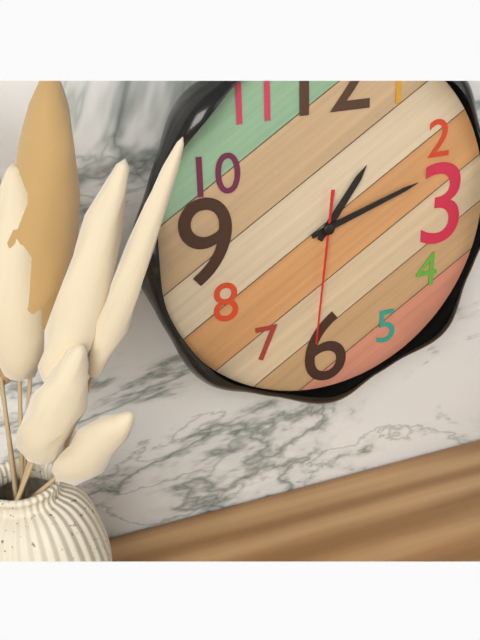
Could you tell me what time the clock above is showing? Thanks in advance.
1:12:31
